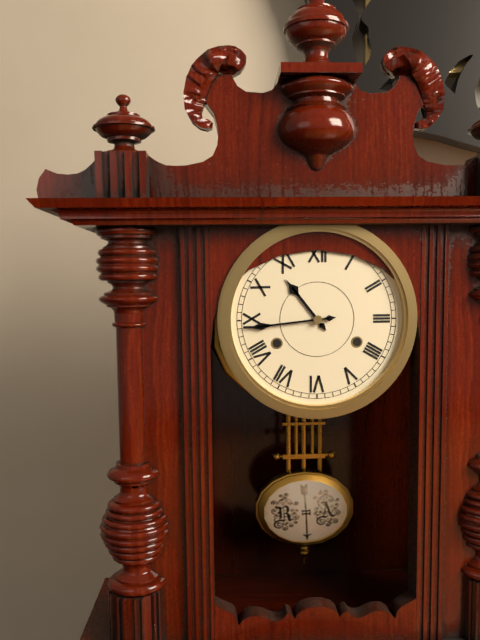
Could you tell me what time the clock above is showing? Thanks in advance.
10:44
